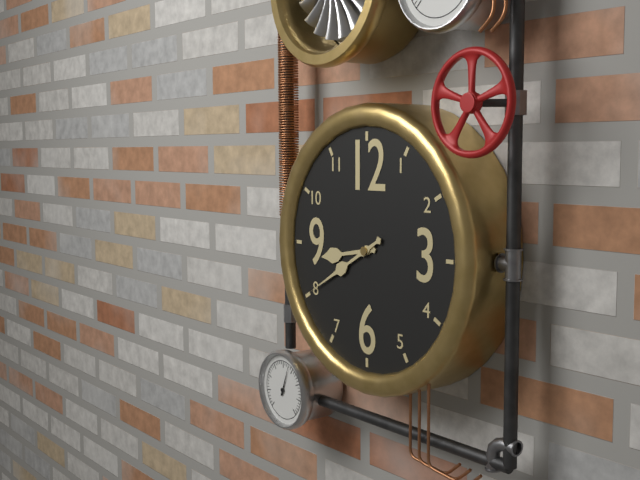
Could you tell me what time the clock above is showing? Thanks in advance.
8:40
